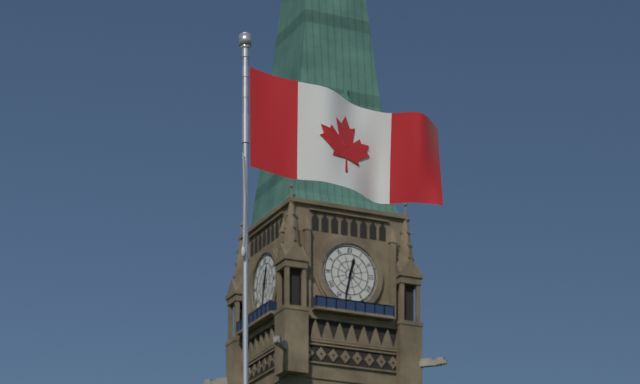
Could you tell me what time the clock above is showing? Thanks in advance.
12:32
